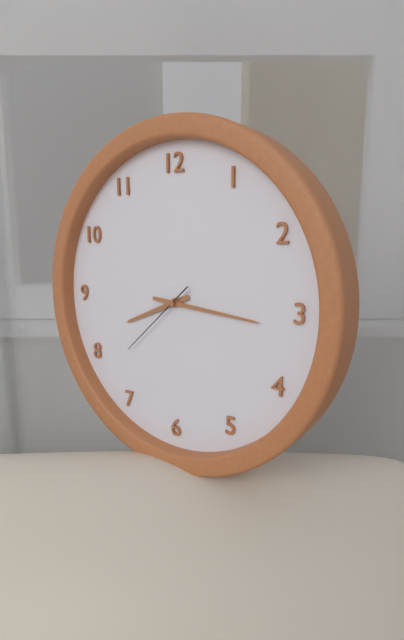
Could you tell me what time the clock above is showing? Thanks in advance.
8:16:38
